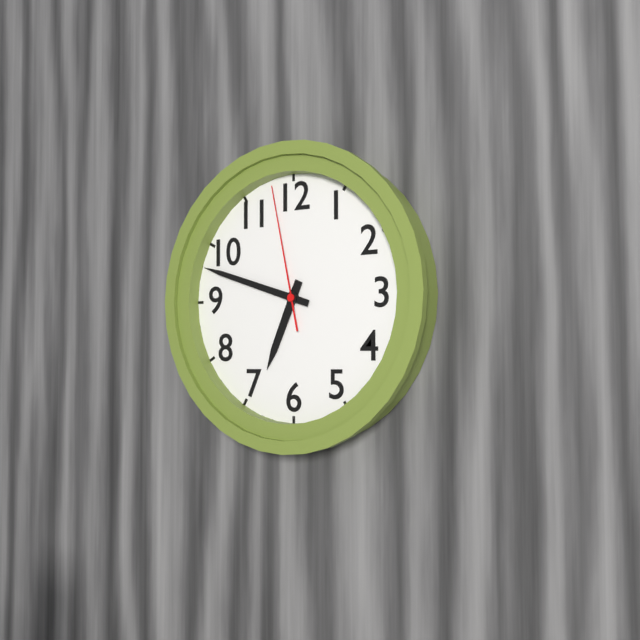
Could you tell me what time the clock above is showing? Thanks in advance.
6:48:58
